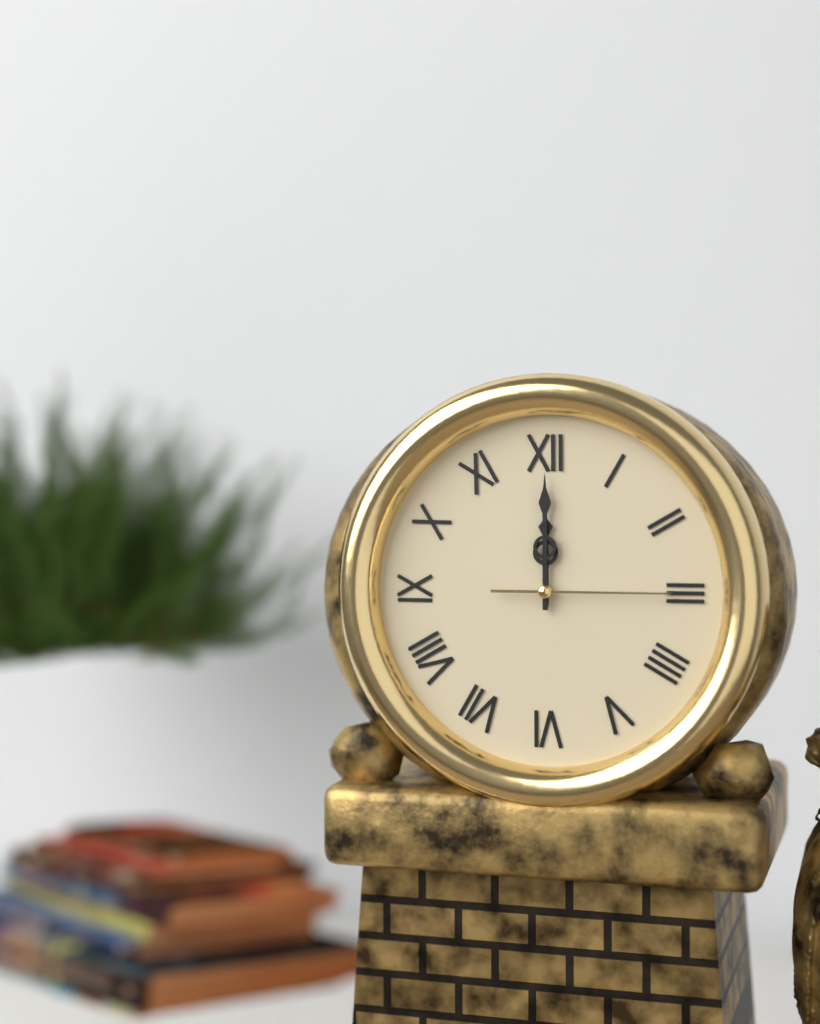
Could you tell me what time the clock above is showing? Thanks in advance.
12:00:15
